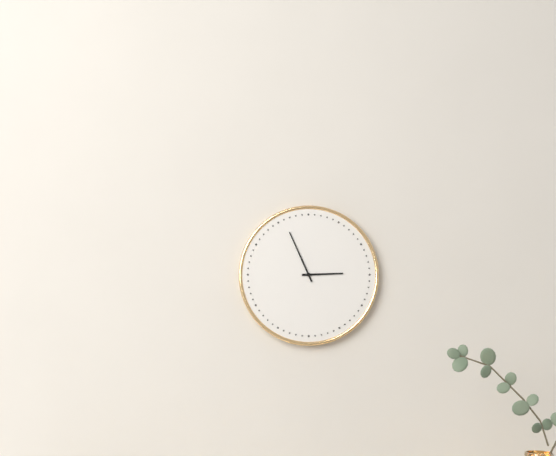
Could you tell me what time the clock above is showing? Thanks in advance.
2:56
